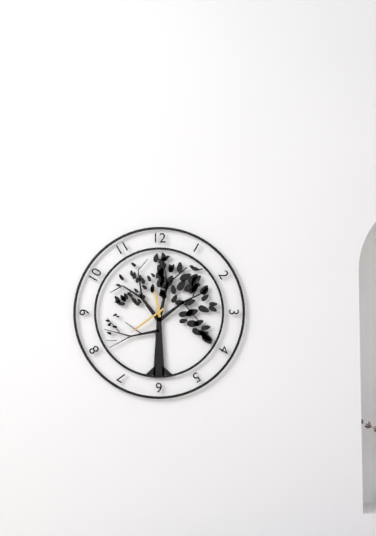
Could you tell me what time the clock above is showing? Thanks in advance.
11:39
